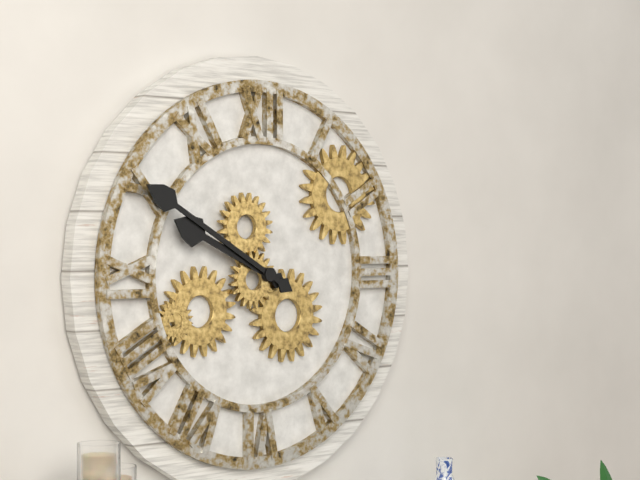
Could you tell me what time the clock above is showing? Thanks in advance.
9:50
